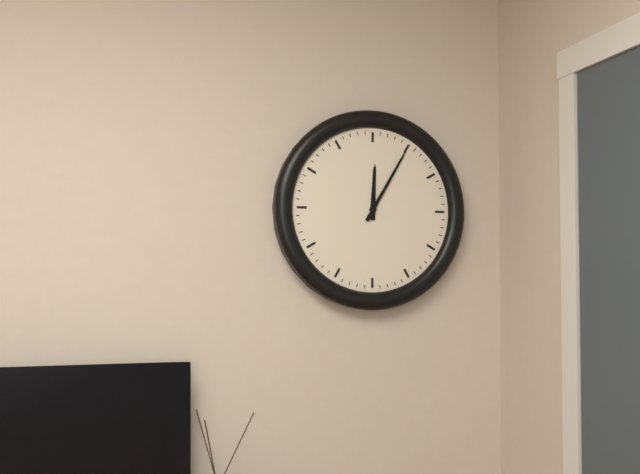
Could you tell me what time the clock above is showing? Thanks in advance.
12:05
